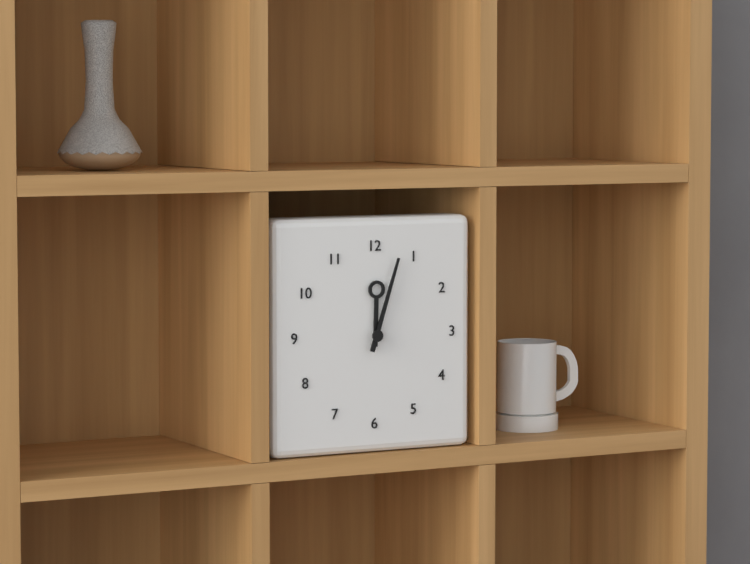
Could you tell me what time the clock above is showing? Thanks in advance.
12:03
